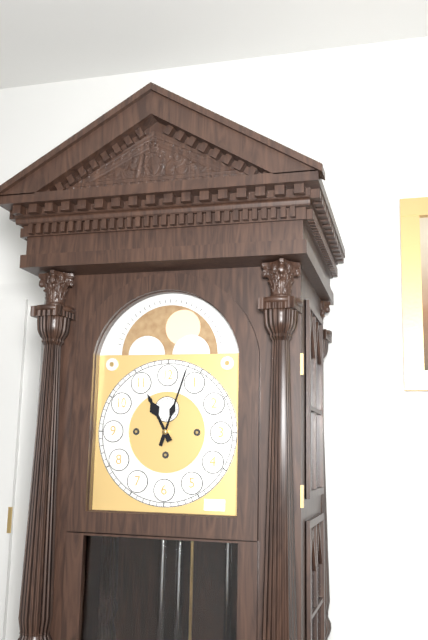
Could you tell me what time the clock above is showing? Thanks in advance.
11:03
